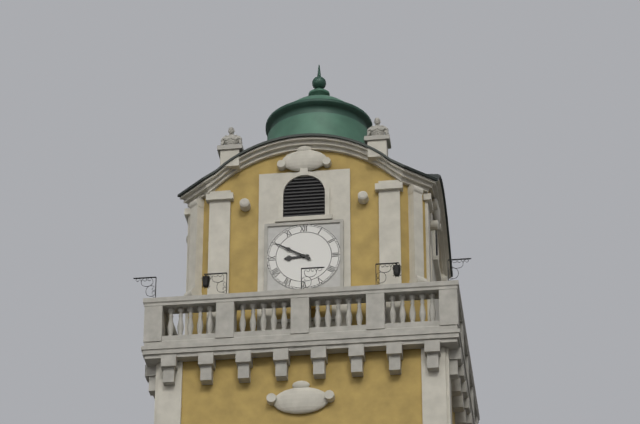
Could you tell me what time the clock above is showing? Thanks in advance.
8:50
